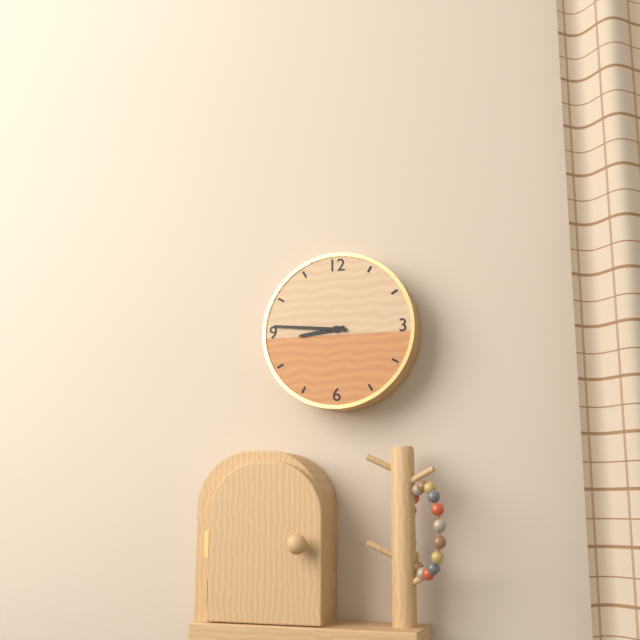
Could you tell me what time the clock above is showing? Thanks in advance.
8:46
